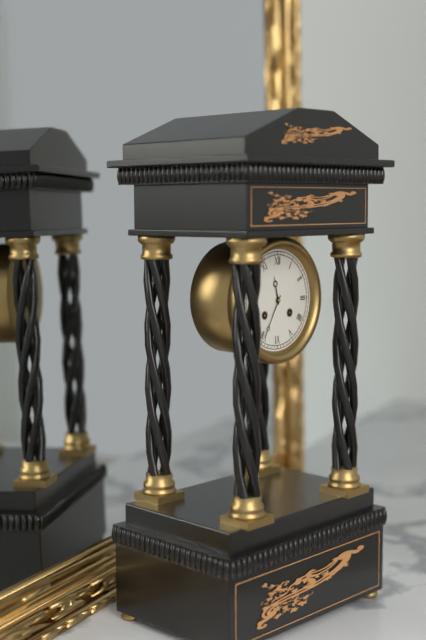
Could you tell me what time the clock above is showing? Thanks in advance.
11:35
